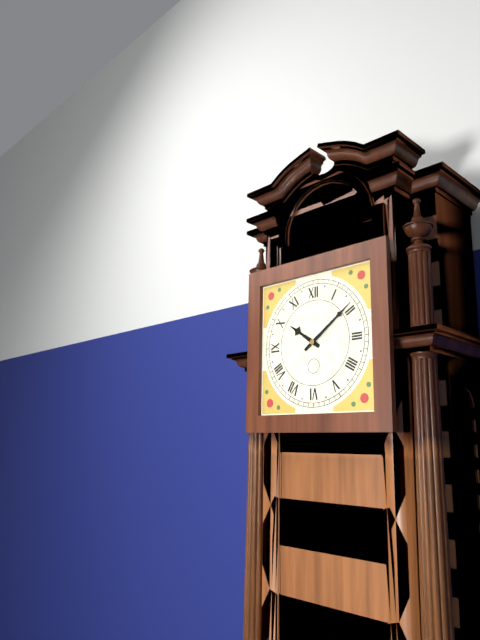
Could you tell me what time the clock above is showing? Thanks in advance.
10:09
